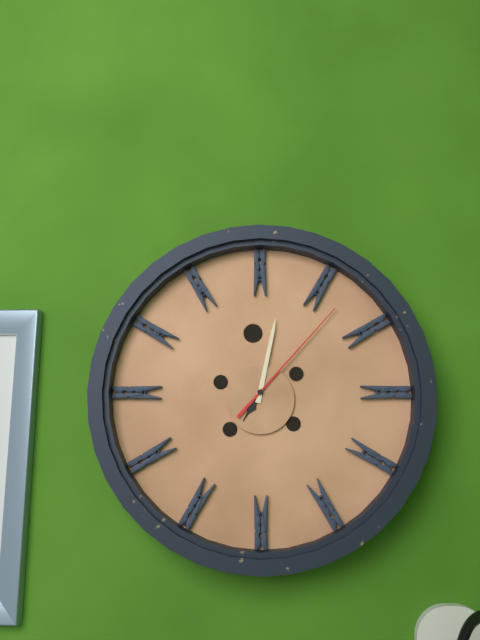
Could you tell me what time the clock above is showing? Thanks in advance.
7:02:07
